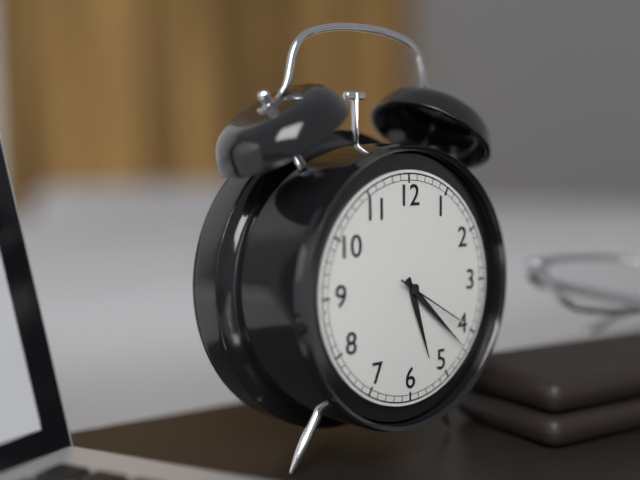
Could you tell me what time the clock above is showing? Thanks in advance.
5:22:20
